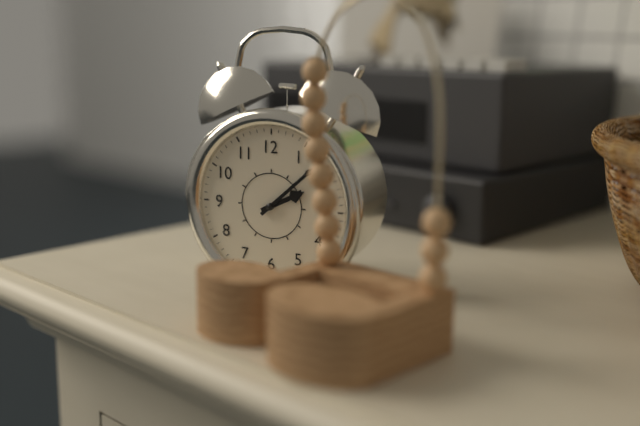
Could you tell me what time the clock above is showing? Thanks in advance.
2:08
